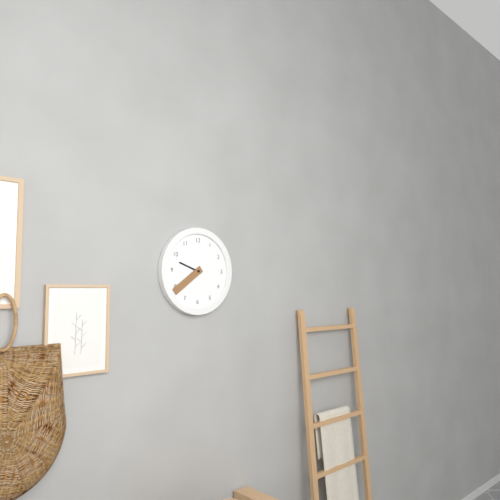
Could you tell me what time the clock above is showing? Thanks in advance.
9:39
